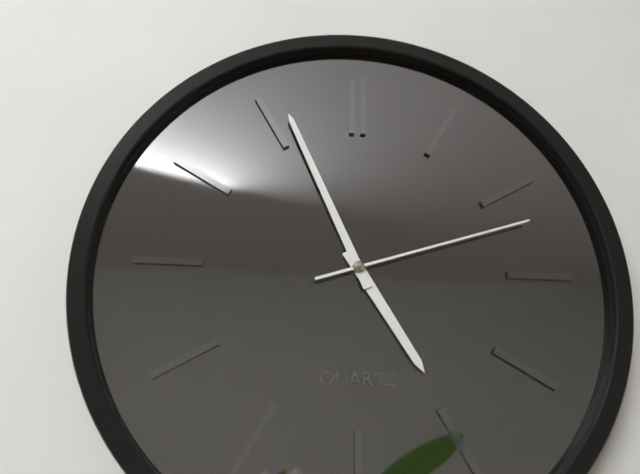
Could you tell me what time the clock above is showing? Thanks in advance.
4:56:12
